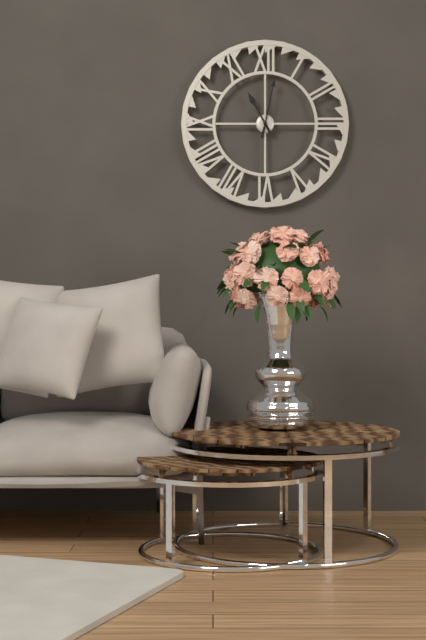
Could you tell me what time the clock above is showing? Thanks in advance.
11:02
